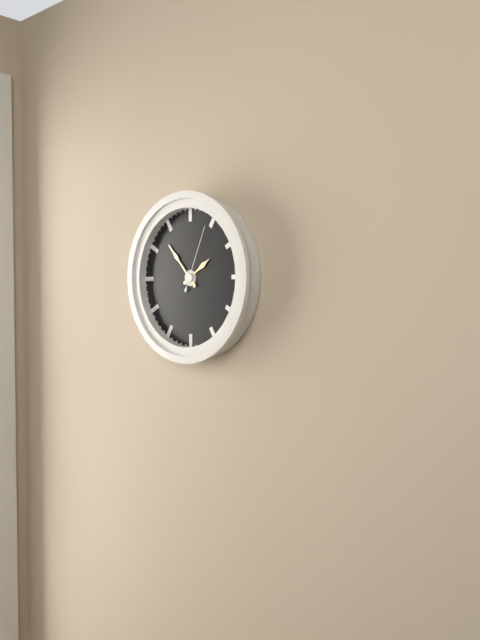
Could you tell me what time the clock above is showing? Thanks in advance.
1:53:04
